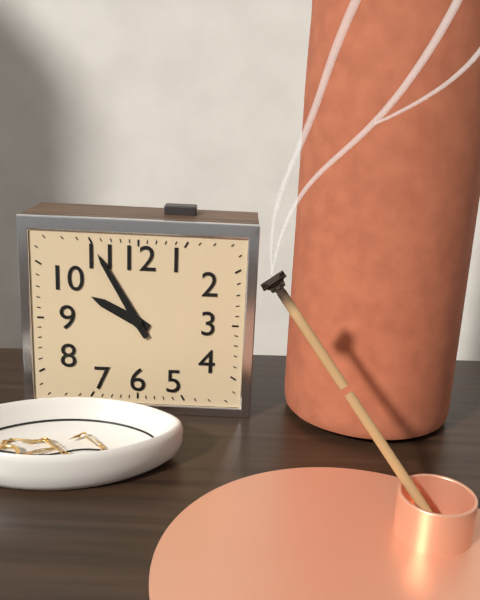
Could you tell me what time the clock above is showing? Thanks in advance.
9:55
